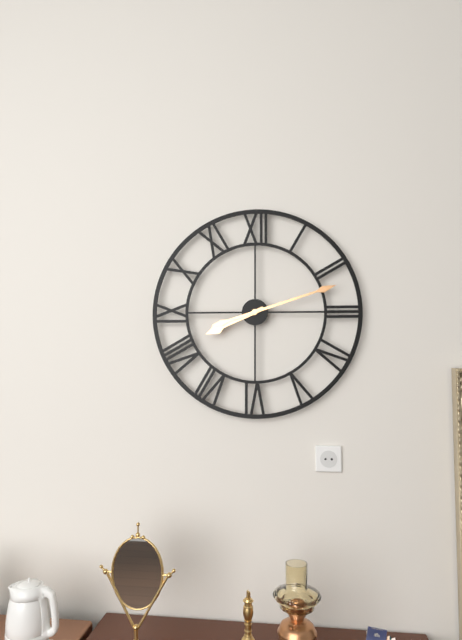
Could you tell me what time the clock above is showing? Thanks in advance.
8:12
